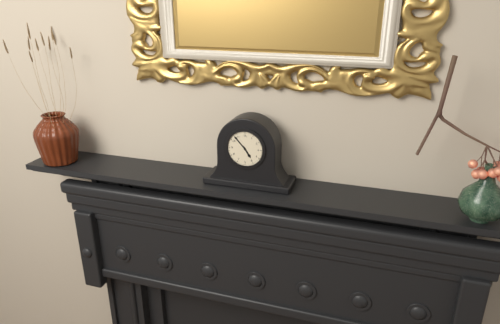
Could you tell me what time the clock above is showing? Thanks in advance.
4:53
